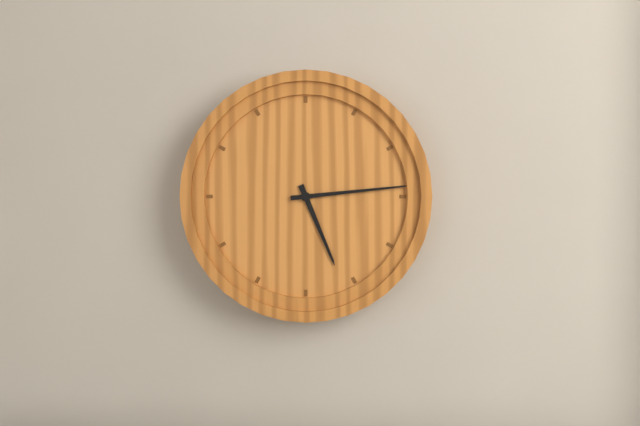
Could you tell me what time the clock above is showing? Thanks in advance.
5:14
